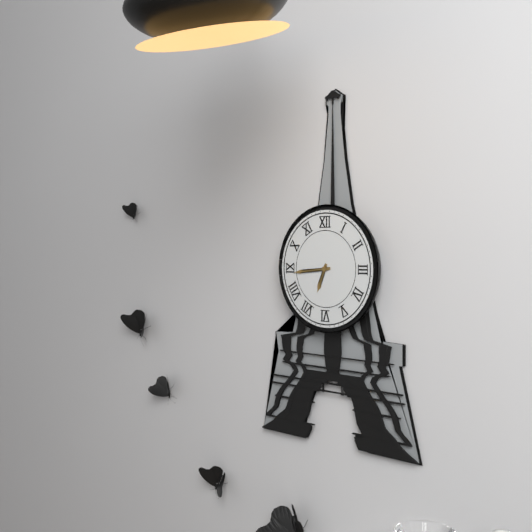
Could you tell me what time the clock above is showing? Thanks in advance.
6:44
